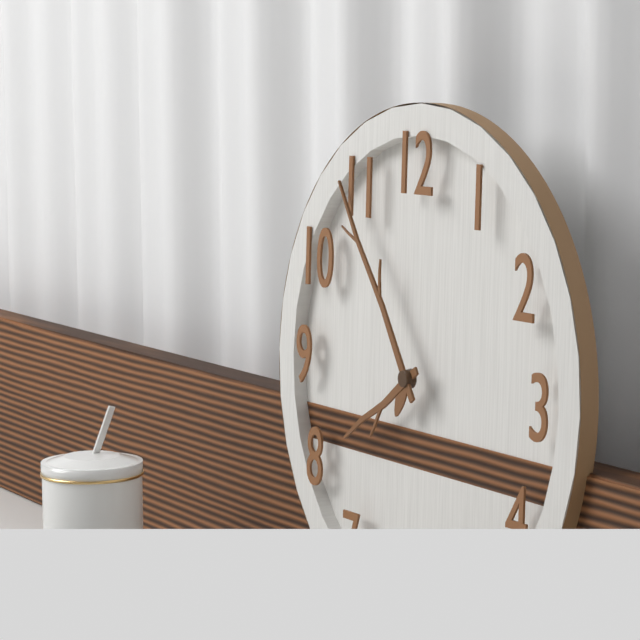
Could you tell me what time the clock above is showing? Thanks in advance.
7:54
